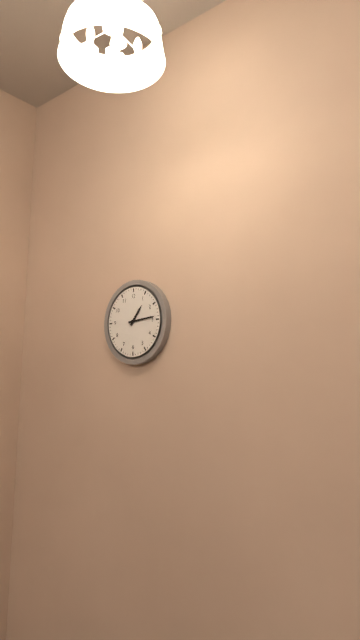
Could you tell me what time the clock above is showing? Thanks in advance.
1:14
